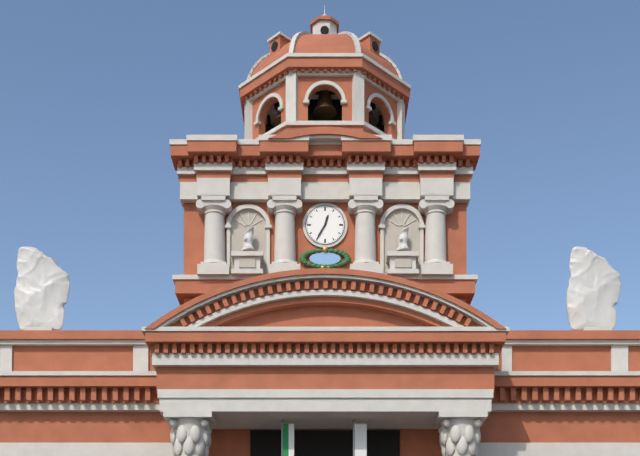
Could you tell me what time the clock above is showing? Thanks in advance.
12:35
